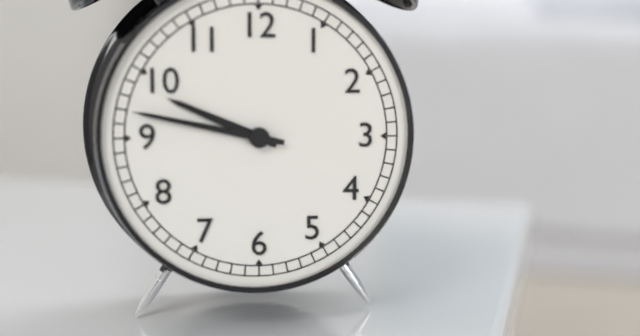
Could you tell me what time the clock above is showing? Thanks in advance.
9:47
